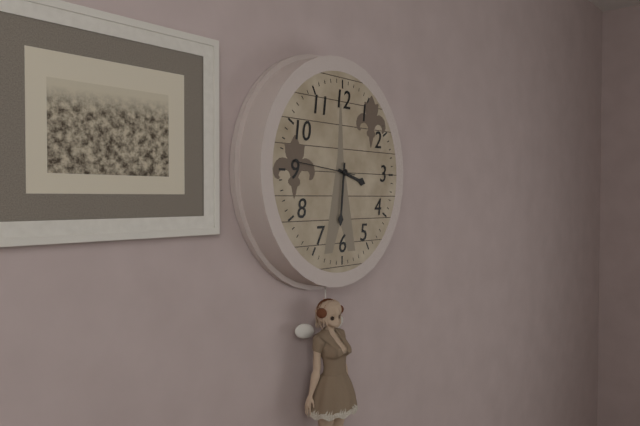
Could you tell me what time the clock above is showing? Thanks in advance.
3:31:46
